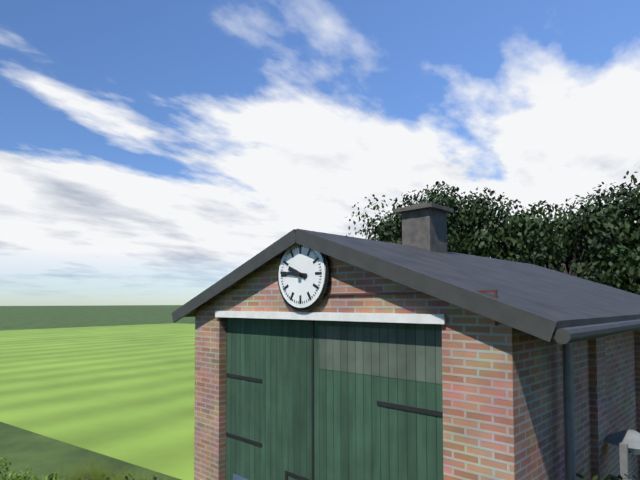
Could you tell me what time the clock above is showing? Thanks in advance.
9:46
